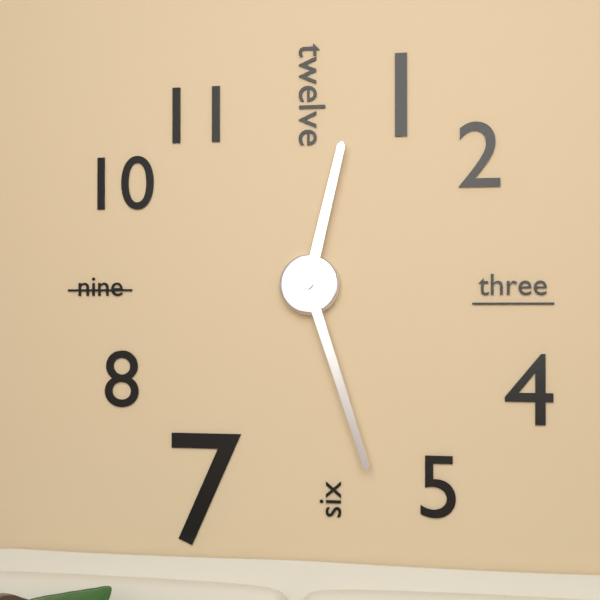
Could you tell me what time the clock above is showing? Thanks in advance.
12:27
